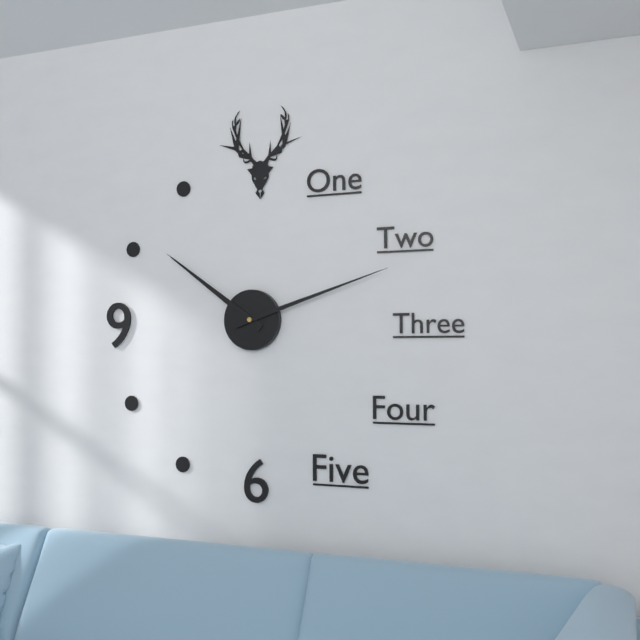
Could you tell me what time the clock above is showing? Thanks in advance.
10:12
